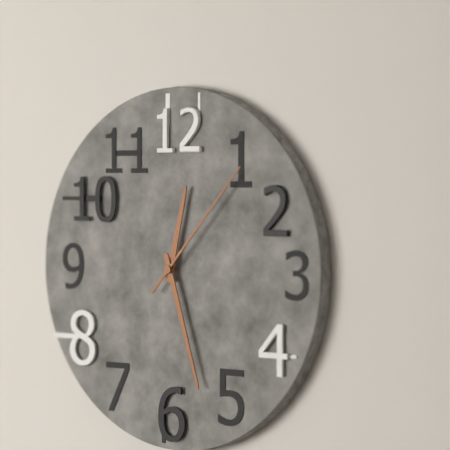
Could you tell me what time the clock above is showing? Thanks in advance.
12:27:07
